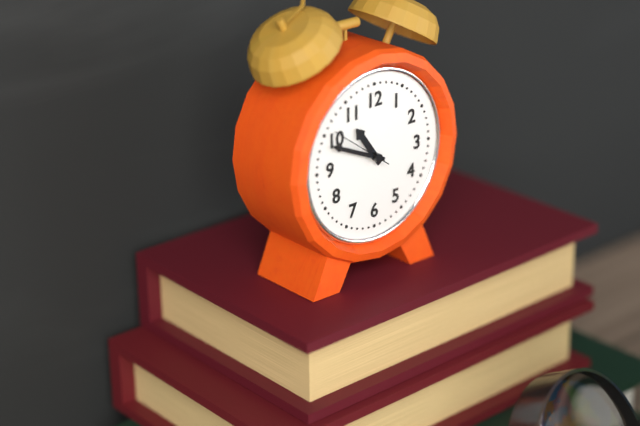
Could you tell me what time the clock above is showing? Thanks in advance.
10:49:51
